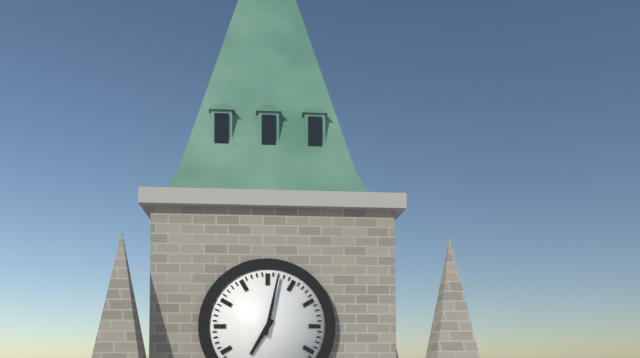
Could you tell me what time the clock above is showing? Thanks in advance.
7:02
